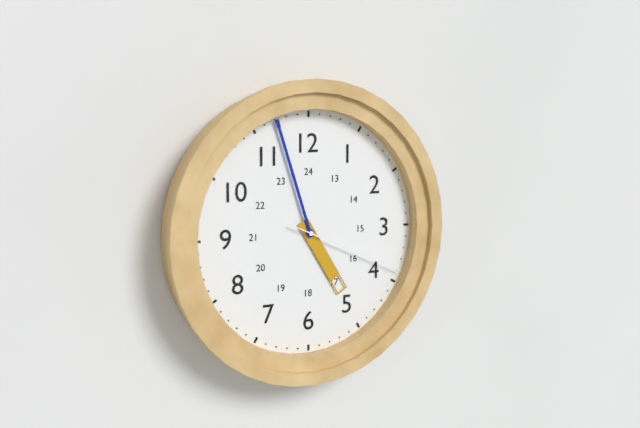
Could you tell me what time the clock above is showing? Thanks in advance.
4:57:19
